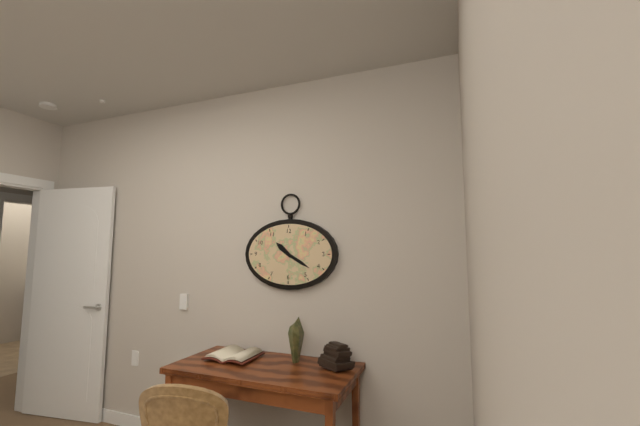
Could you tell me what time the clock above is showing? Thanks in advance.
10:20
